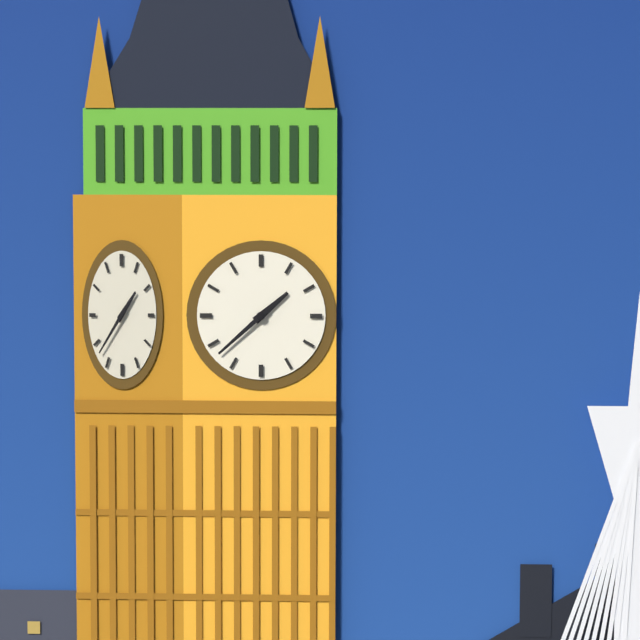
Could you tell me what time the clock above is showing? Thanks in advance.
1:38
